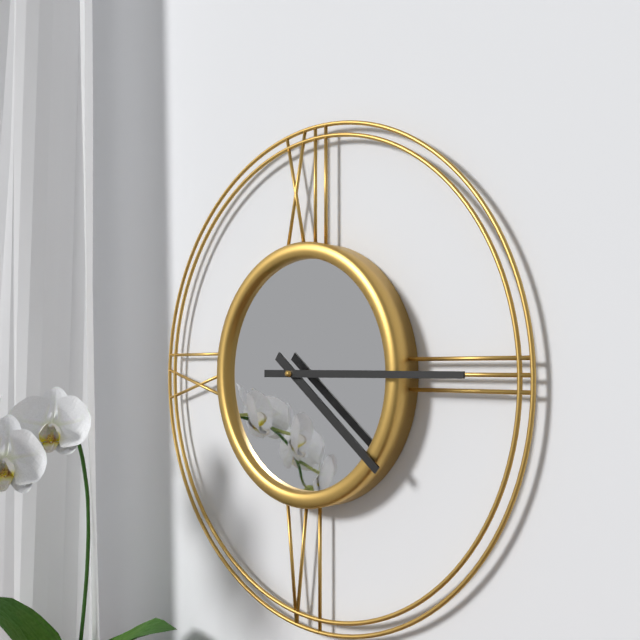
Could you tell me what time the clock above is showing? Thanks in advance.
4:15
